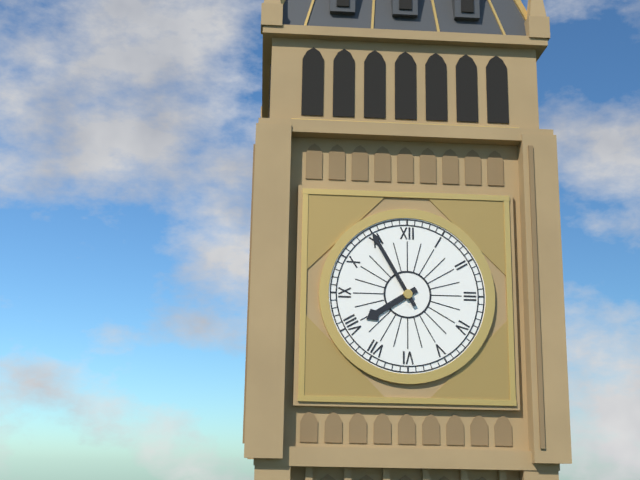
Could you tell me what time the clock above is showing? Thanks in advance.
7:55
